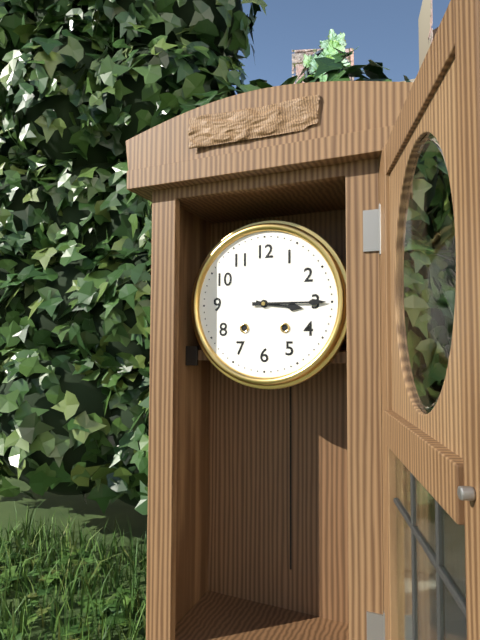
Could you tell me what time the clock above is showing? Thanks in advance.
3:15
